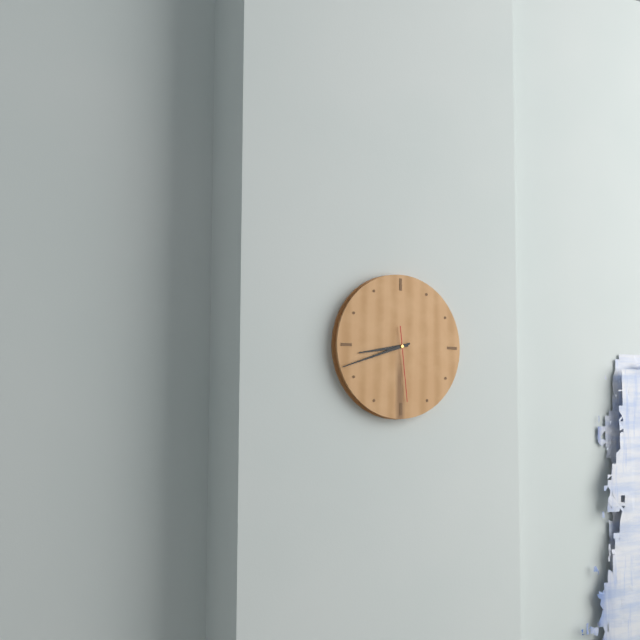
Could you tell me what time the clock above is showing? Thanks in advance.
8:42:29
